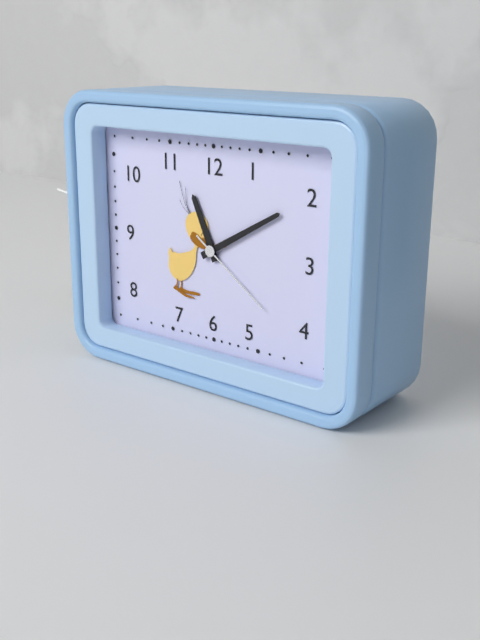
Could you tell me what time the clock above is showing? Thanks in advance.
11:10:21
